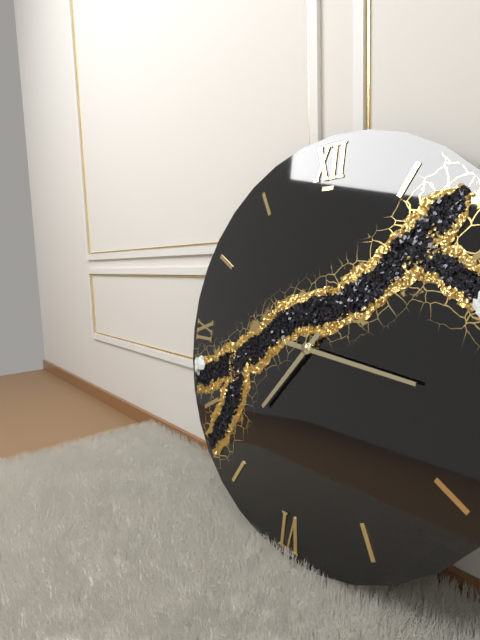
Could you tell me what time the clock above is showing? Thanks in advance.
7:16
